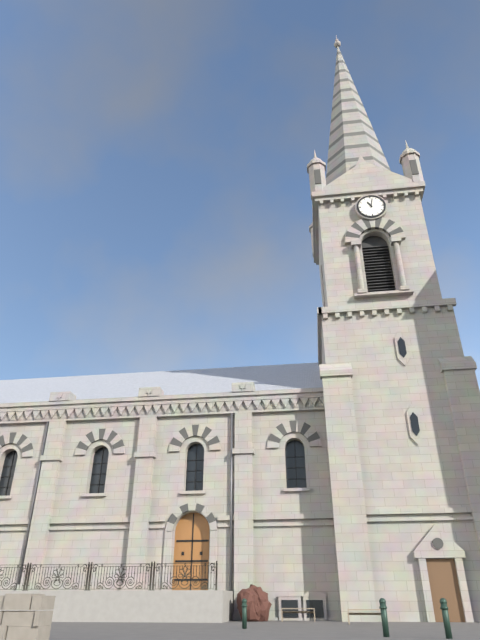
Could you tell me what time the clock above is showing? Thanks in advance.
11:02
